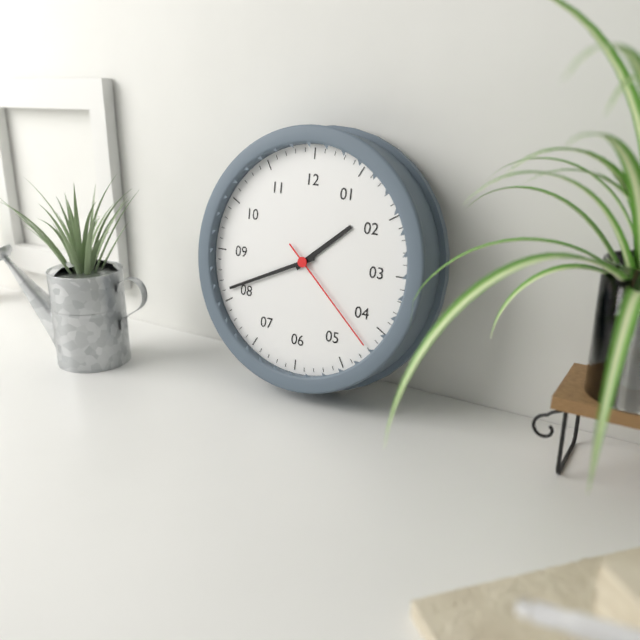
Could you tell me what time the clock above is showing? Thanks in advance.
1:41:22
